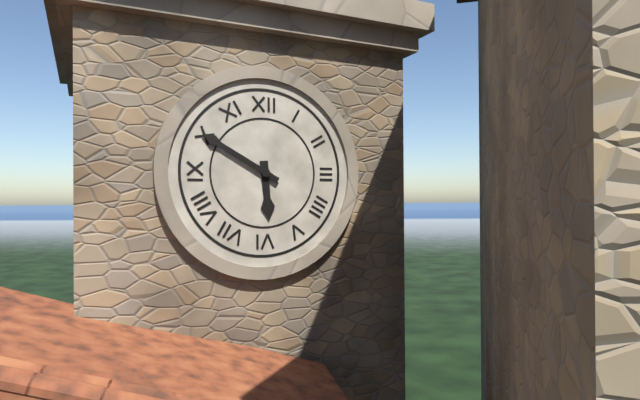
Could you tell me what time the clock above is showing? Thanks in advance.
5:50
